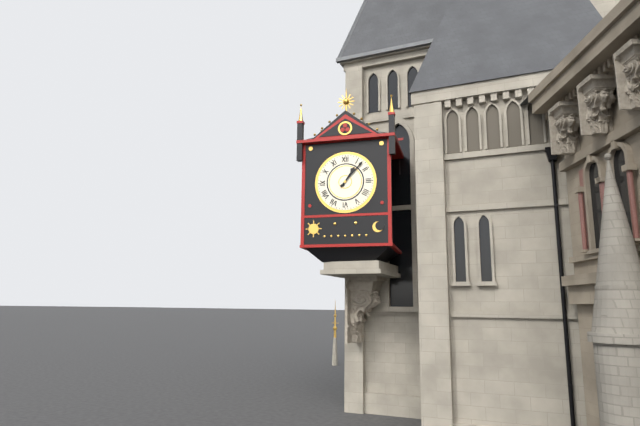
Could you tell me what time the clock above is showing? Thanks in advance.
1:07
